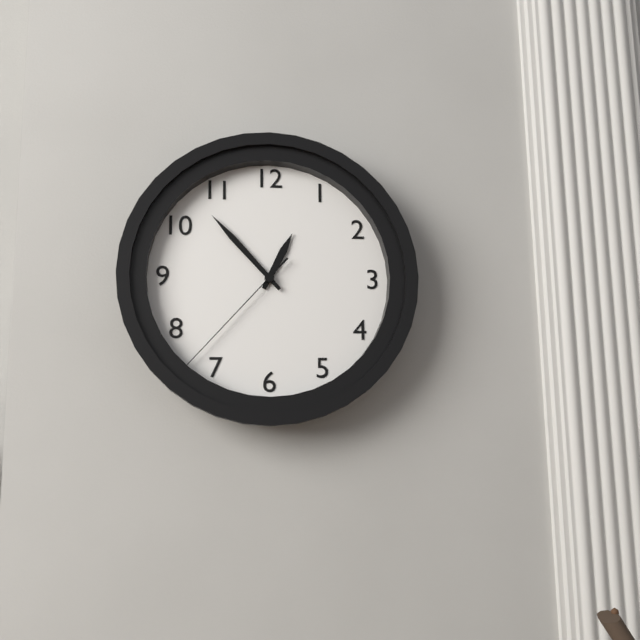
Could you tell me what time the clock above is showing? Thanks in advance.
12:53:37
